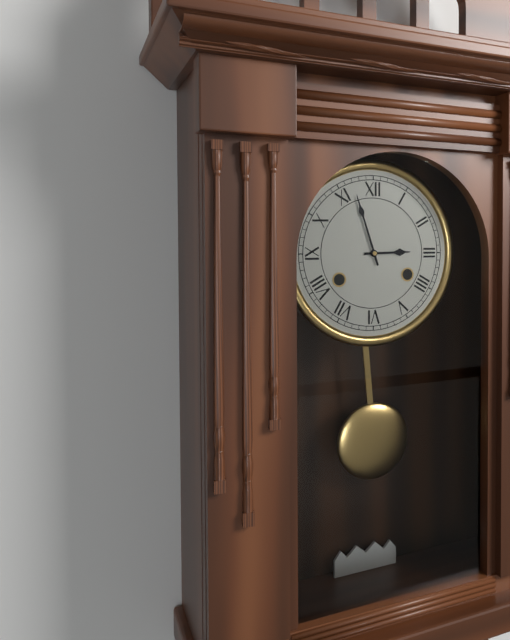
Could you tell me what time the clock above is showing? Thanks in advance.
2:57
